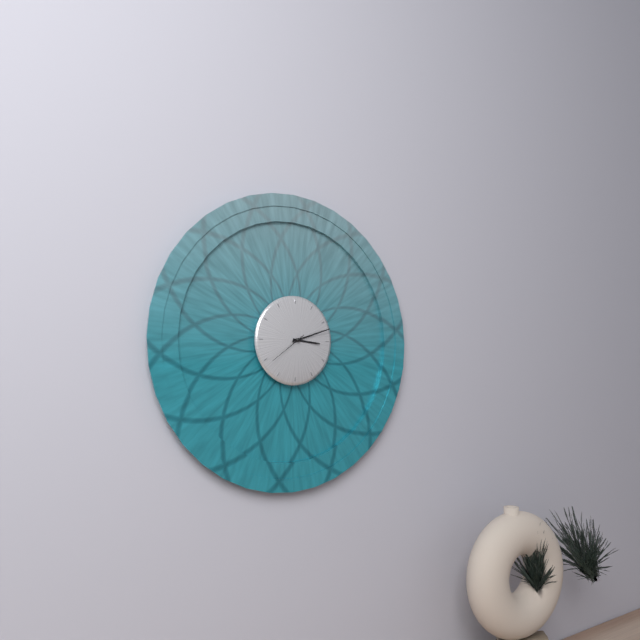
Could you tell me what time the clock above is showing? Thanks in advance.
3:12
